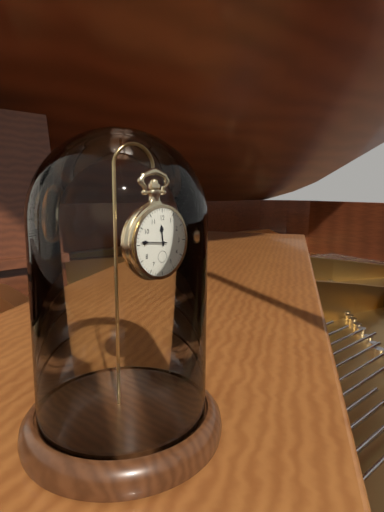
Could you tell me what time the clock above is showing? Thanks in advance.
11:46
